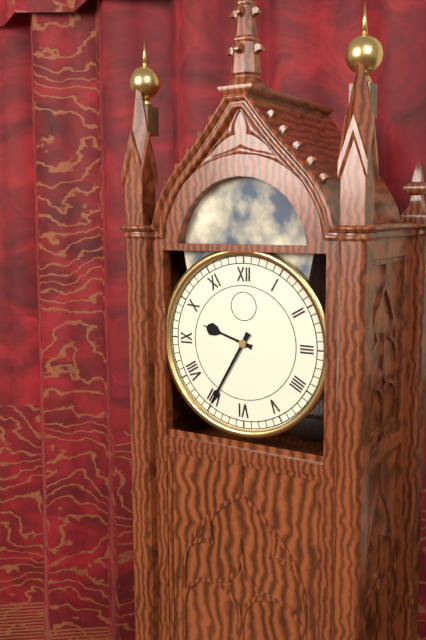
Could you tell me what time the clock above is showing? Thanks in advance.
9:35
